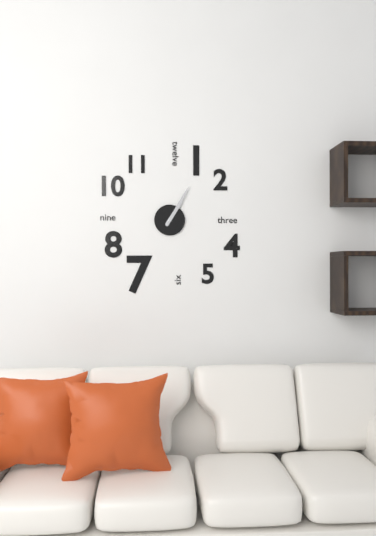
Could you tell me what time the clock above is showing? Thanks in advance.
1:05
